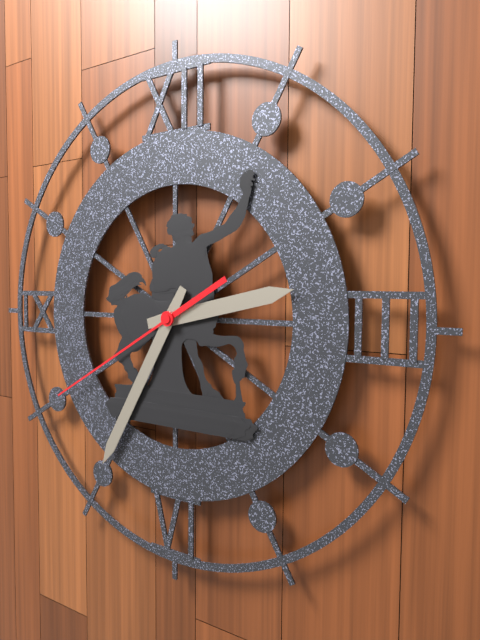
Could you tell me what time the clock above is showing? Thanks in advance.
2:35:40
